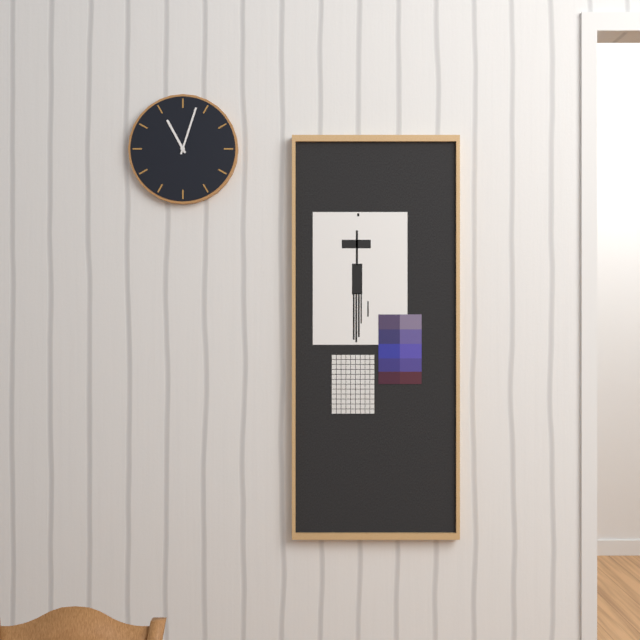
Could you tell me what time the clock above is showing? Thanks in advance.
11:03
